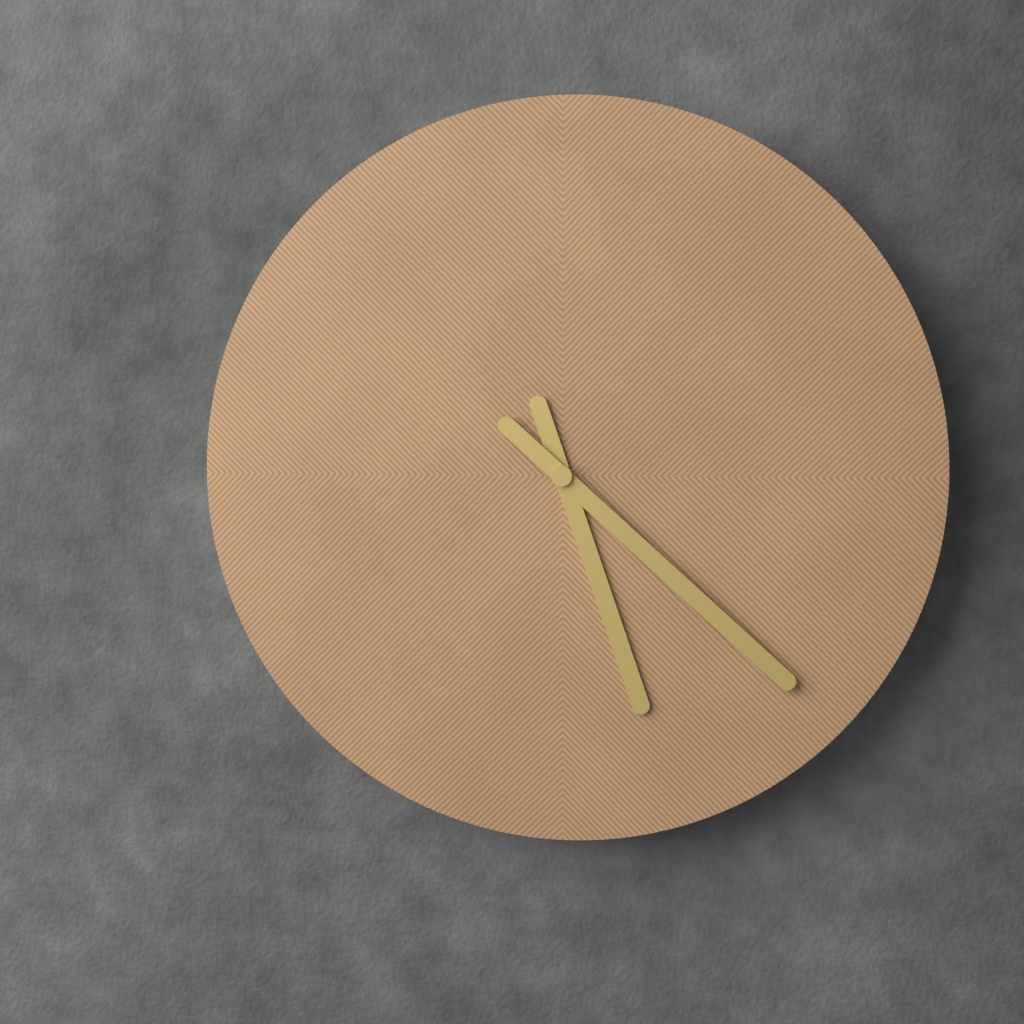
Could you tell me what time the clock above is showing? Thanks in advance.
5:22
